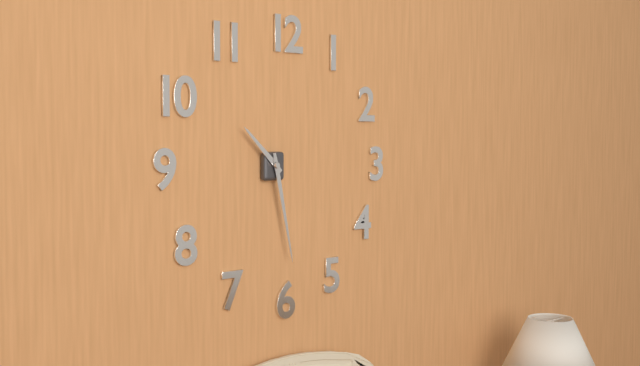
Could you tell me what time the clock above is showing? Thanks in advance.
10:28
